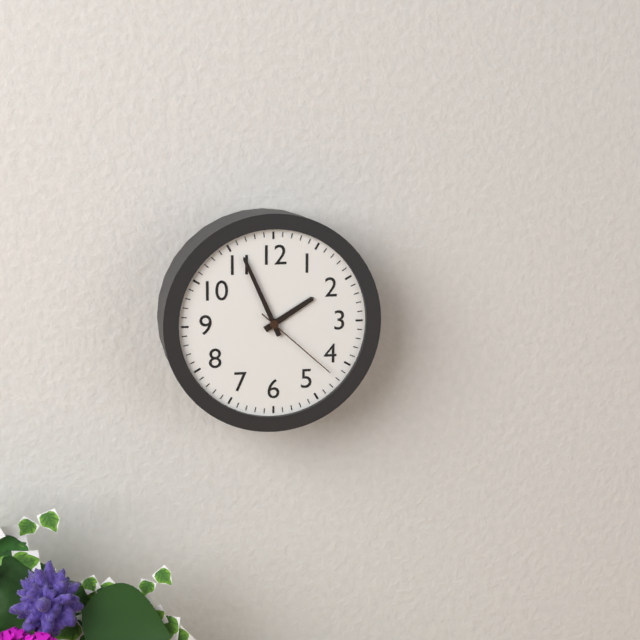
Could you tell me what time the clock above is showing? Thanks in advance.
1:56:22
